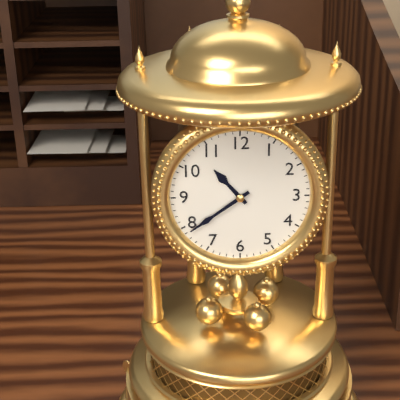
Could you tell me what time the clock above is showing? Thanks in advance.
10:39
